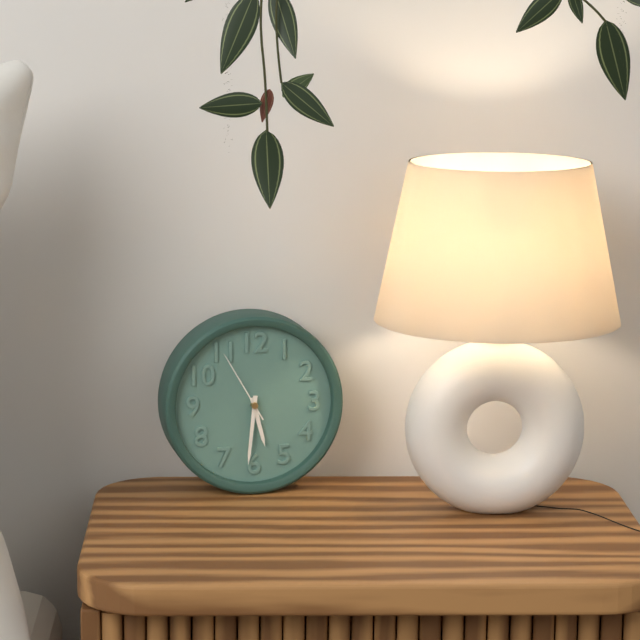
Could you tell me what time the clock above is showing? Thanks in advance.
5:31:55
